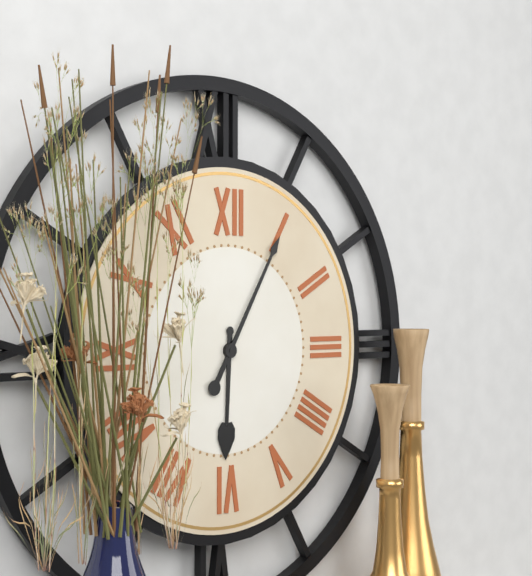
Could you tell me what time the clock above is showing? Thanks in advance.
6:05
